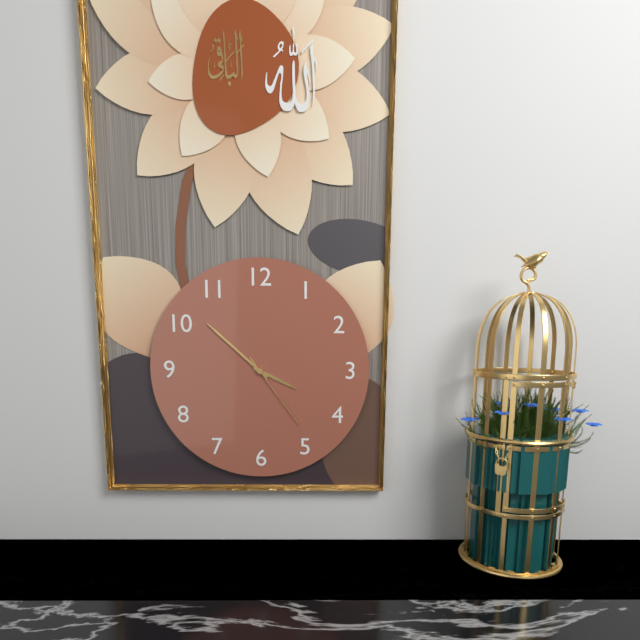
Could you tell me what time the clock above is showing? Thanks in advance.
3:52:24
